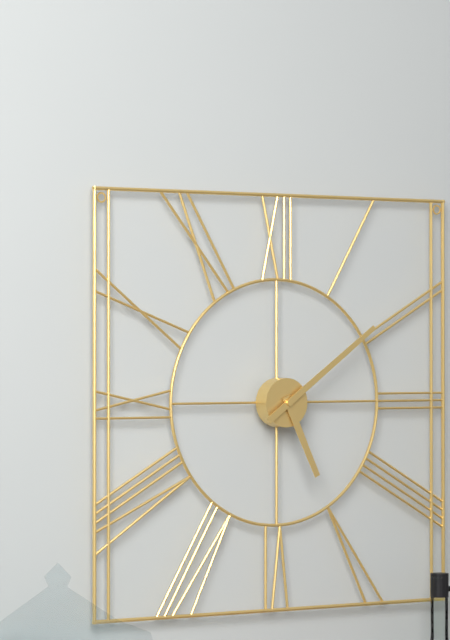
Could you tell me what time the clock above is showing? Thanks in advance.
5:09
